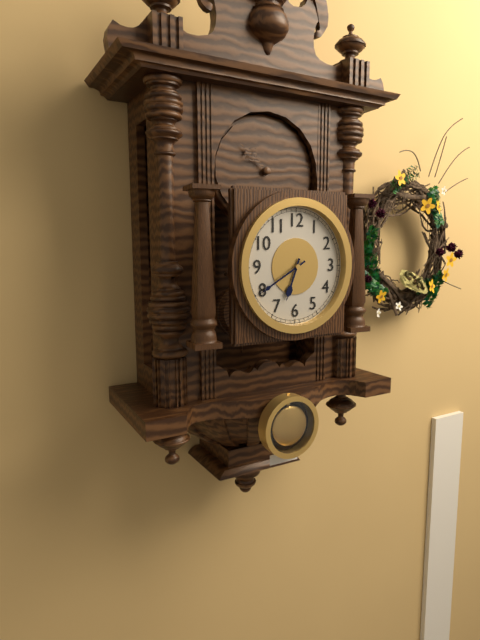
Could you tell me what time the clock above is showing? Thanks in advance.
6:40
